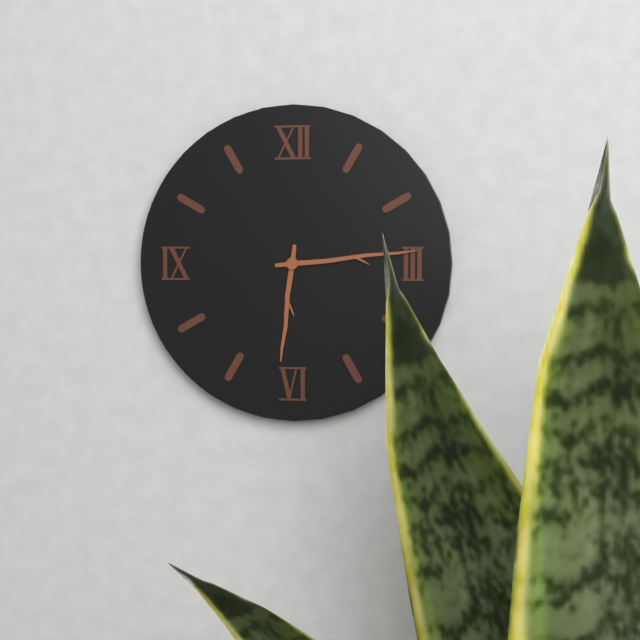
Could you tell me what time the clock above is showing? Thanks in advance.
6:14
